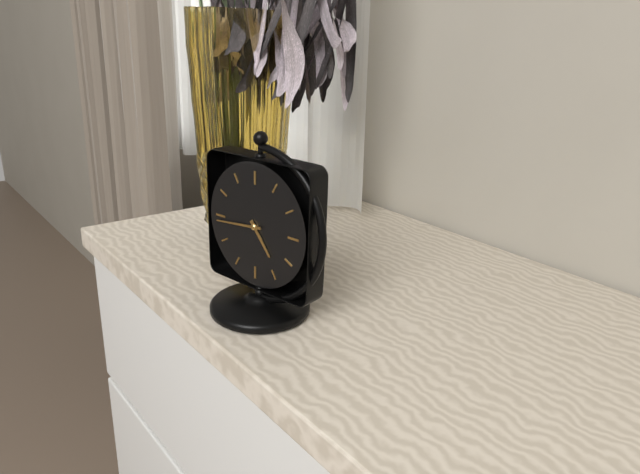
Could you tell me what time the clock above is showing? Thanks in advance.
4:44
